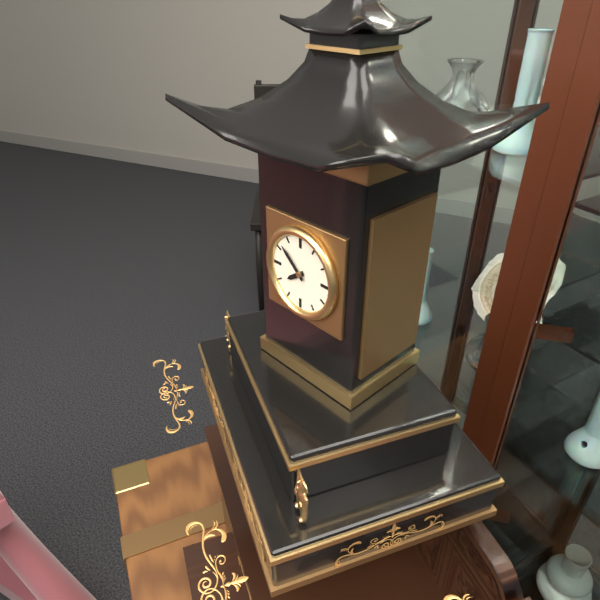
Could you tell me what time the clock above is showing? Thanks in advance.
7:52
